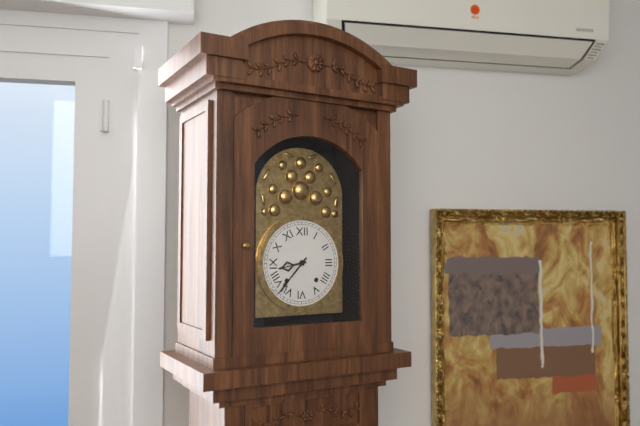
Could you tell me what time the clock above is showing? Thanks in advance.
8:37
